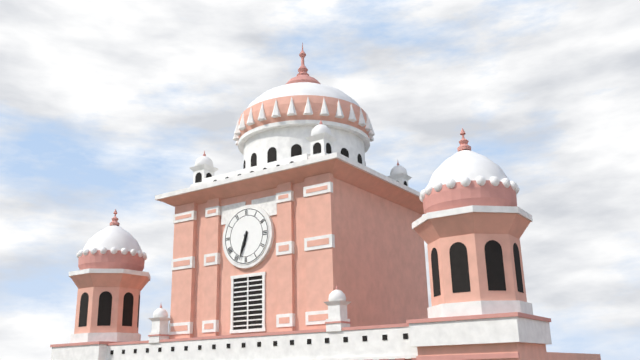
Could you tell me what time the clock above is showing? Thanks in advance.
6:33
